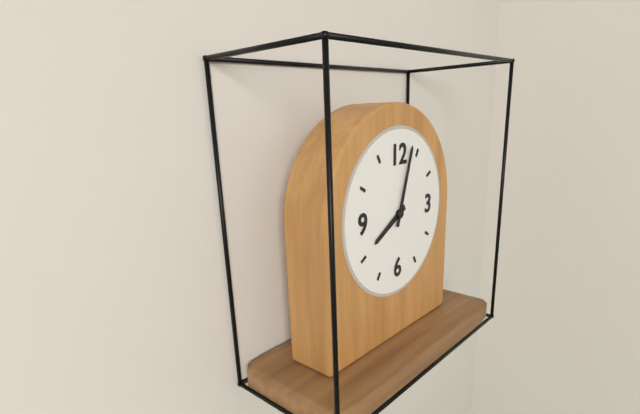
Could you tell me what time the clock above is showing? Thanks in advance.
8:03
